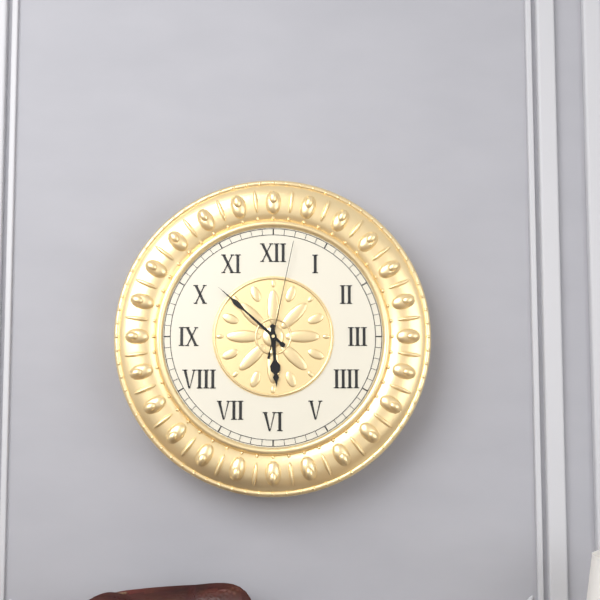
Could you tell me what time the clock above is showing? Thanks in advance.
5:52:02
